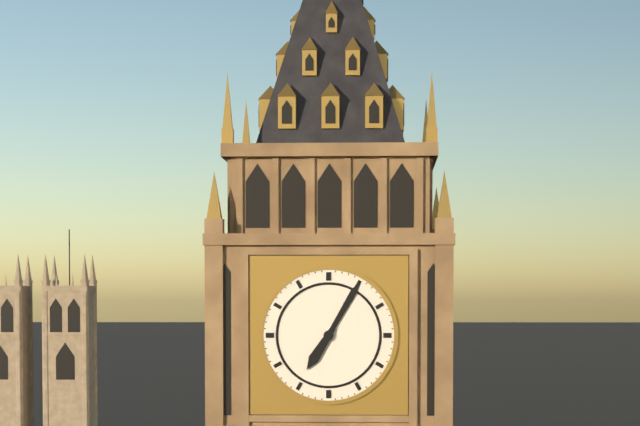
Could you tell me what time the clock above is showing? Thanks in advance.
7:05
